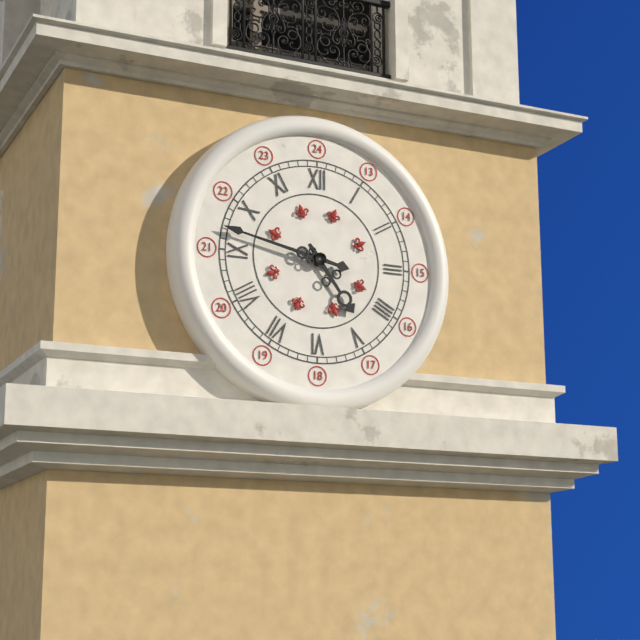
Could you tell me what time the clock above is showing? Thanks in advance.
4:47
